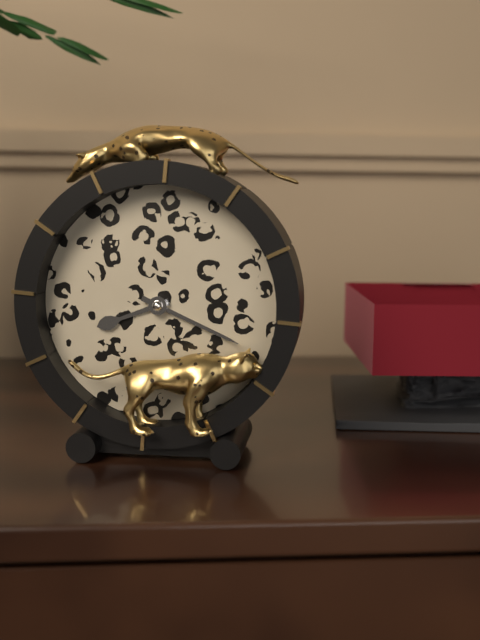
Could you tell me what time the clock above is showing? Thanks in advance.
8:19
